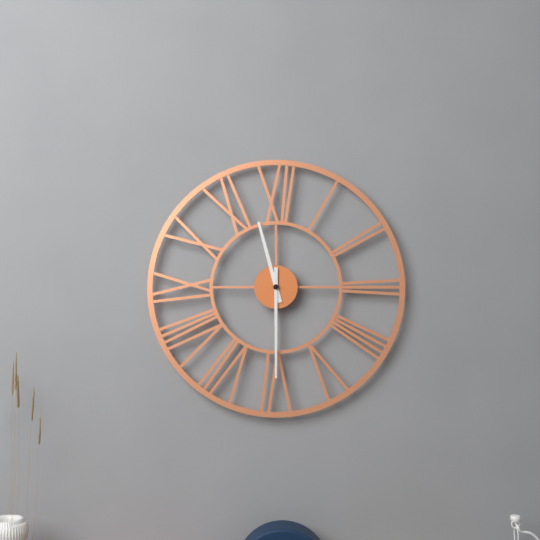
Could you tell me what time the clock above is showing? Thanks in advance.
11:30
